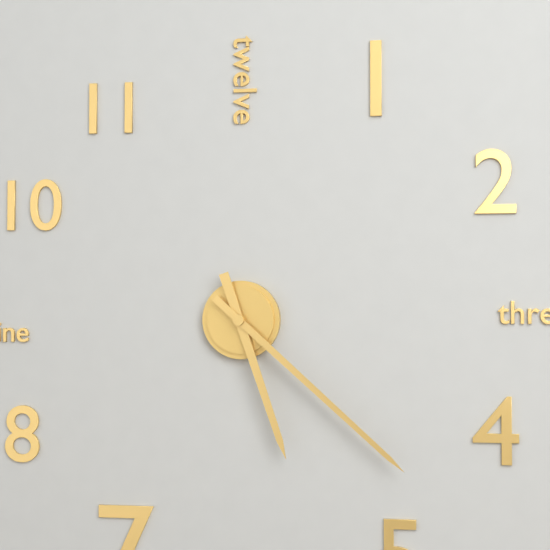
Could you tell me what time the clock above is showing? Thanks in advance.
5:22
